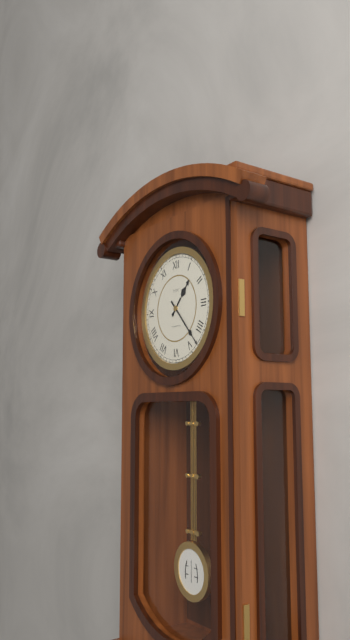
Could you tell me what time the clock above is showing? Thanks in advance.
1:23
